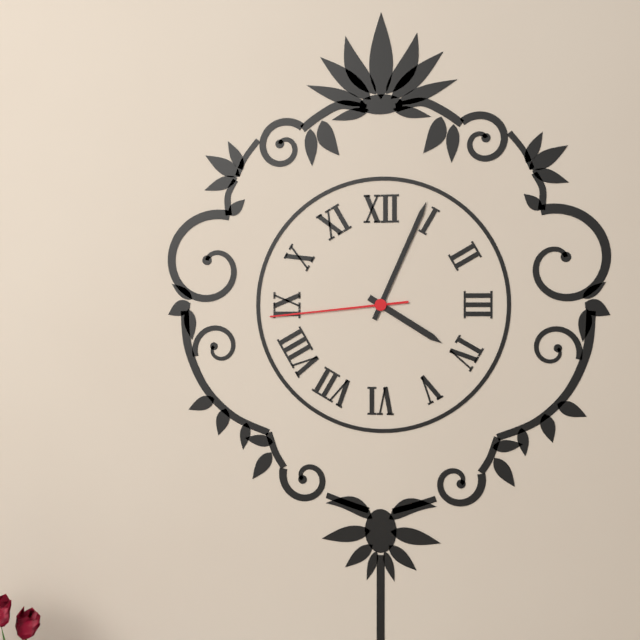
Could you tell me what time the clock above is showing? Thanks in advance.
4:04:44
